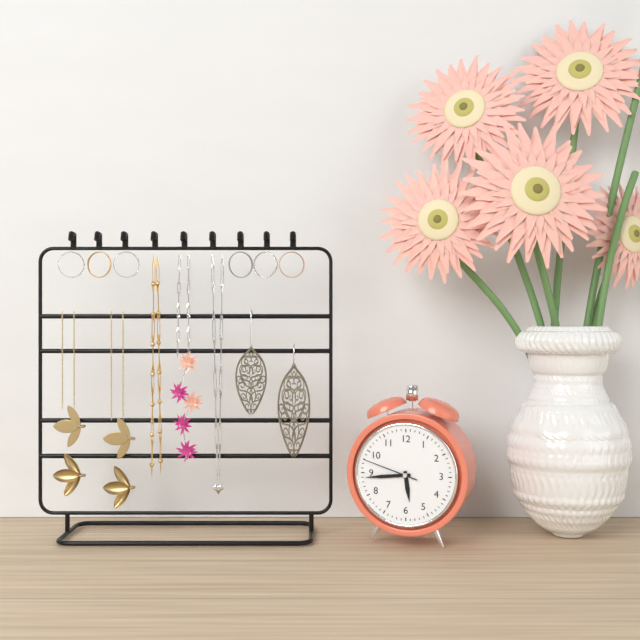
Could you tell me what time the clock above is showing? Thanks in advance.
5:44:48
